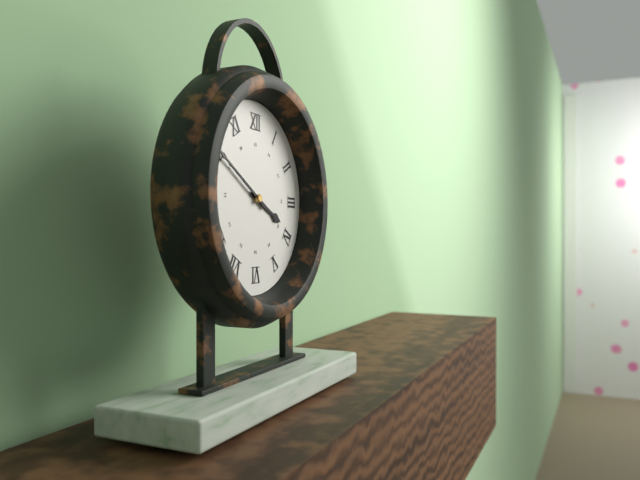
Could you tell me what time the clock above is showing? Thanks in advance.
3:50
